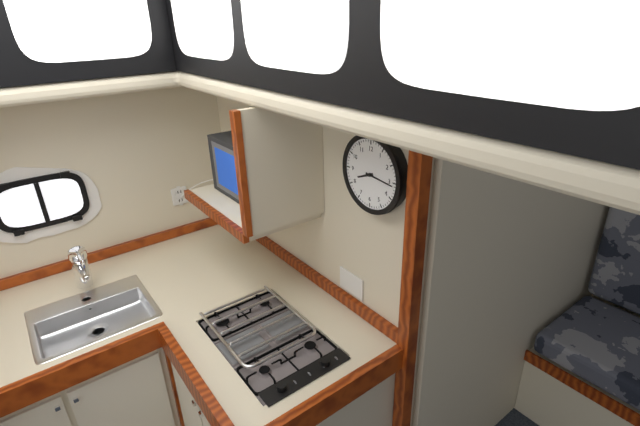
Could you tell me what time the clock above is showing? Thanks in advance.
8:16
